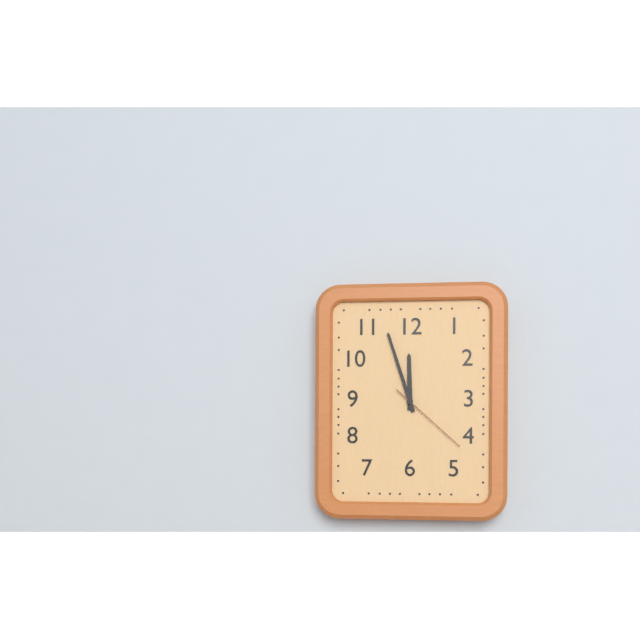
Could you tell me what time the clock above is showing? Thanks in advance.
11:57:22
